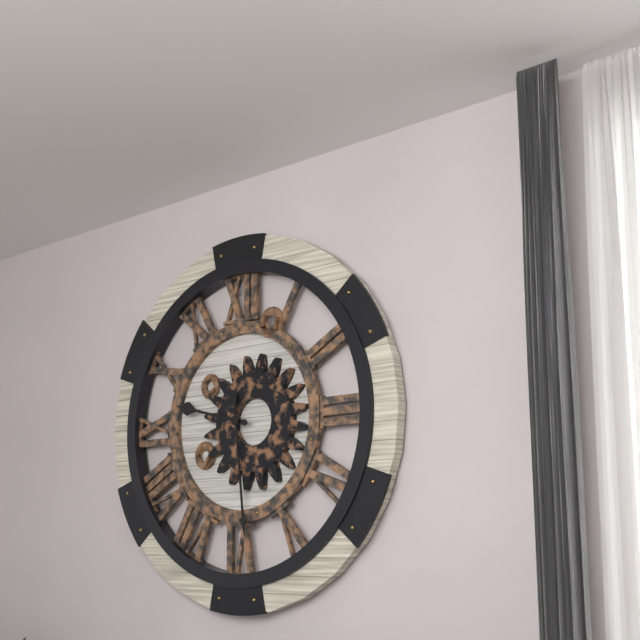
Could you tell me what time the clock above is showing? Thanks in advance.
9:29
